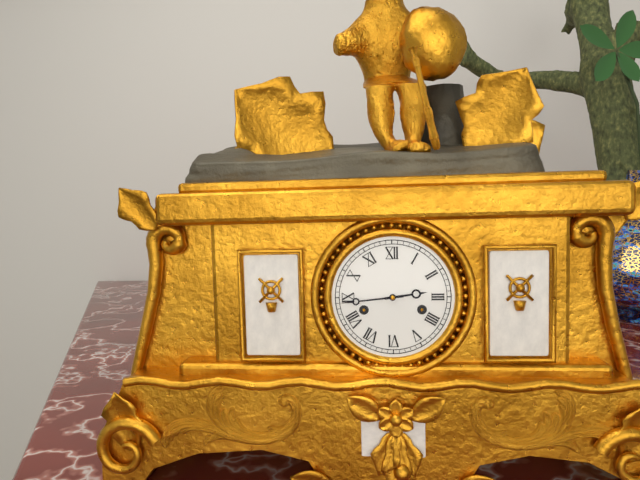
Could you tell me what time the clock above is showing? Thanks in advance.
2:44
